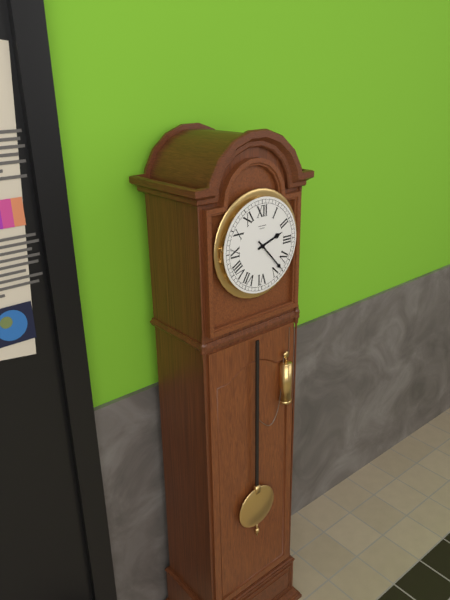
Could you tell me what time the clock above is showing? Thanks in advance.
2:23
